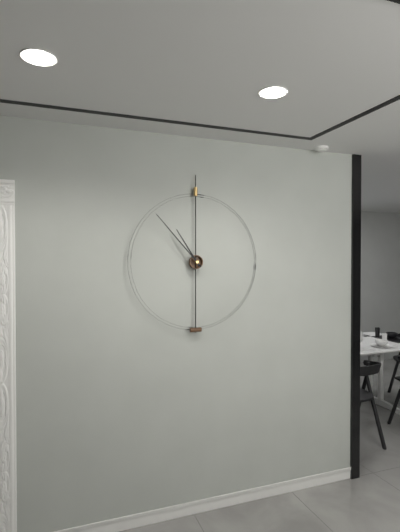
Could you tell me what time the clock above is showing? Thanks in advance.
10:53
